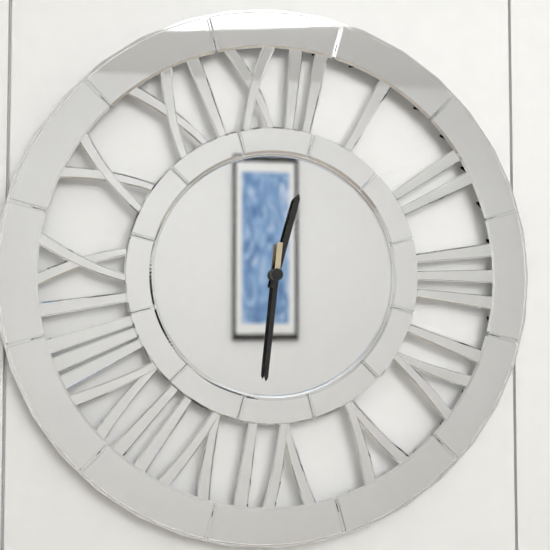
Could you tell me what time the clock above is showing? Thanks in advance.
12:31
